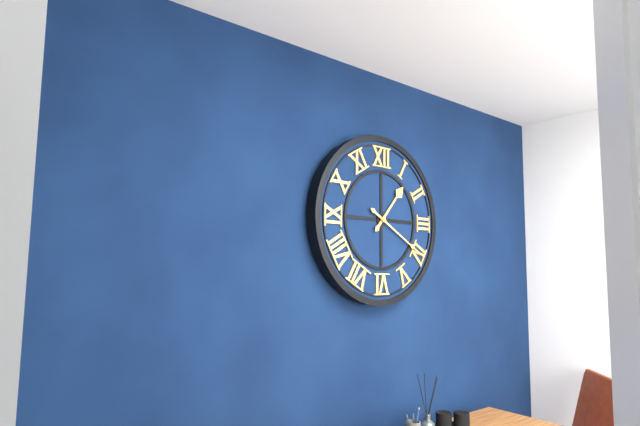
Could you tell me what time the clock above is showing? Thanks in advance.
1:20
